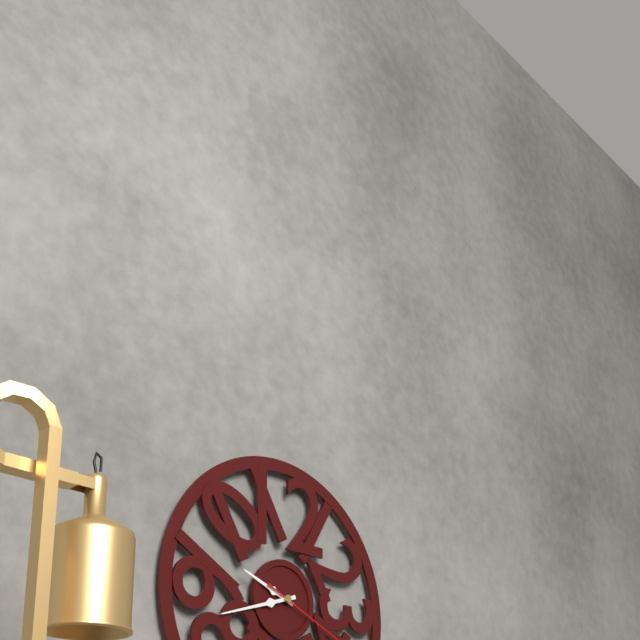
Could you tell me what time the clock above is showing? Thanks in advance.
9:42
